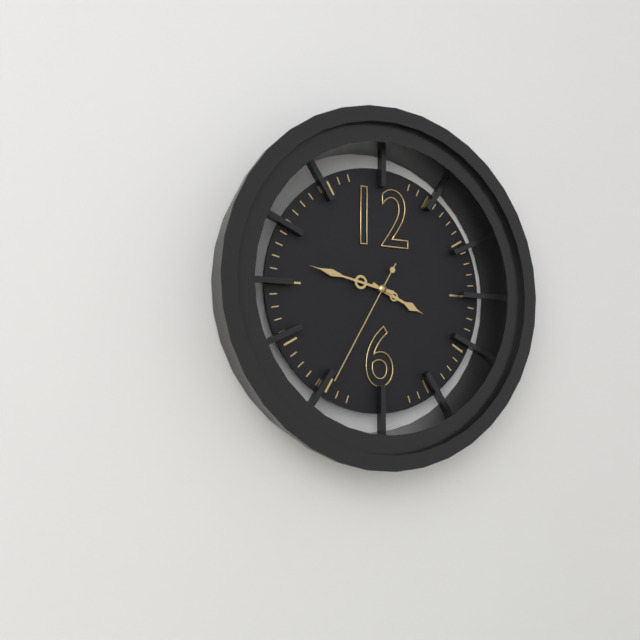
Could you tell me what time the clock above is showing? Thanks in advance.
3:47:35
